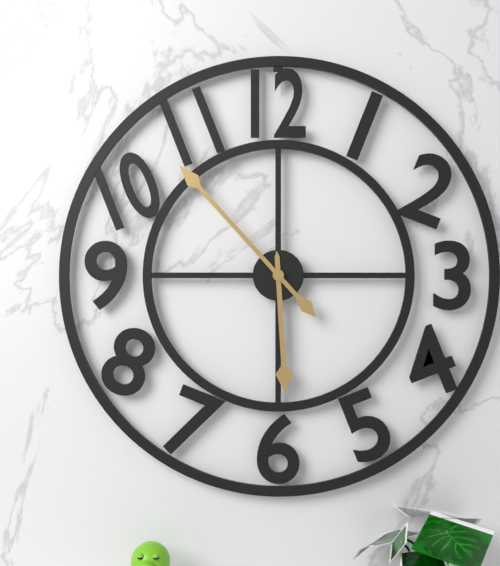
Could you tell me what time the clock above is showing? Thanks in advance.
5:53
